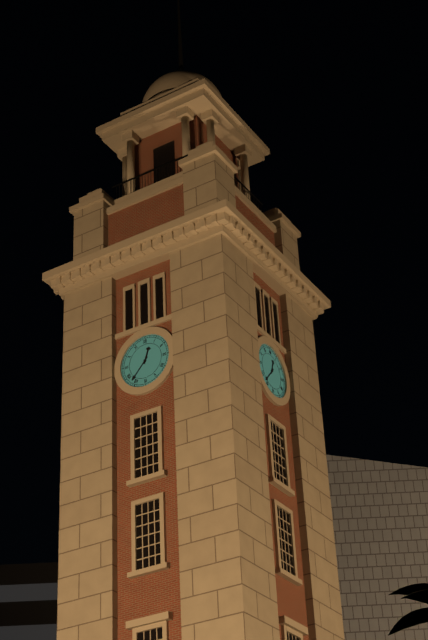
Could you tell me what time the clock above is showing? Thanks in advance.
12:37
